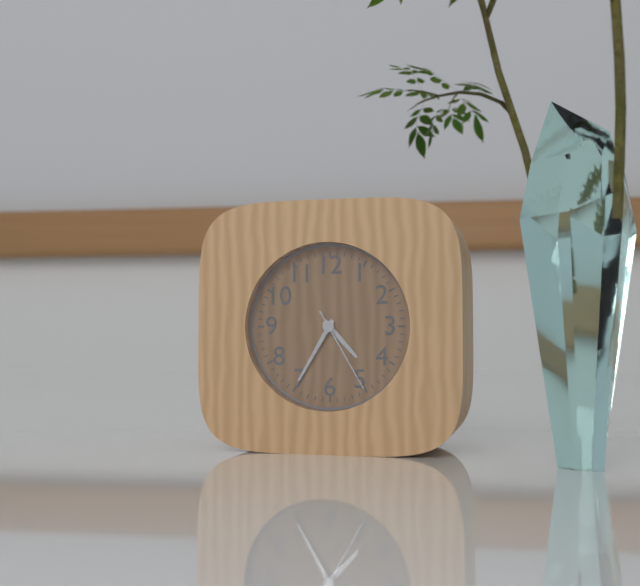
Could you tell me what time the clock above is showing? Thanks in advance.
4:35:25
